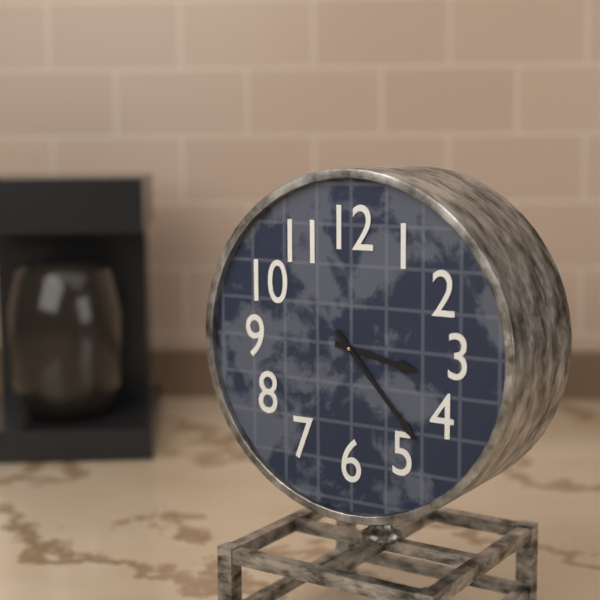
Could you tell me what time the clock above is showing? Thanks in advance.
3:23
